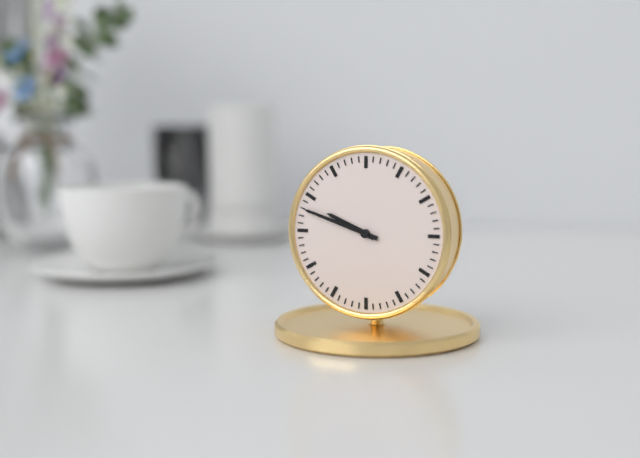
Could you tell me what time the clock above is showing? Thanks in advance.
9:48
